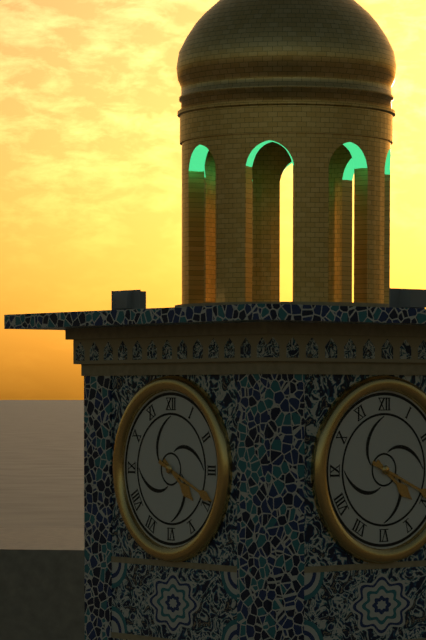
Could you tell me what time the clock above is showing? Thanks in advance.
4:19
